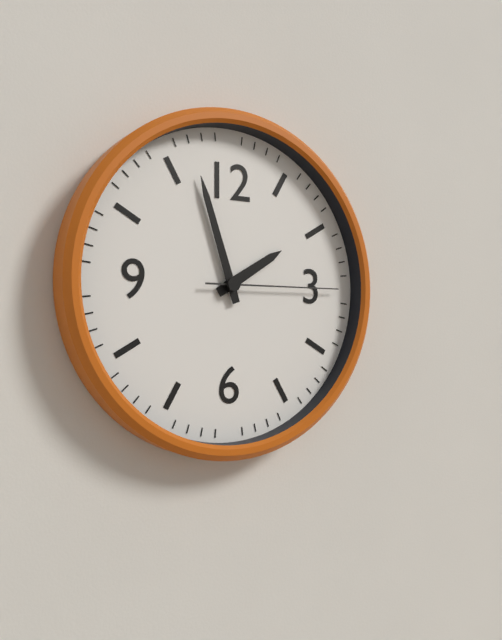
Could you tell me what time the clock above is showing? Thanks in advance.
1:57:15
